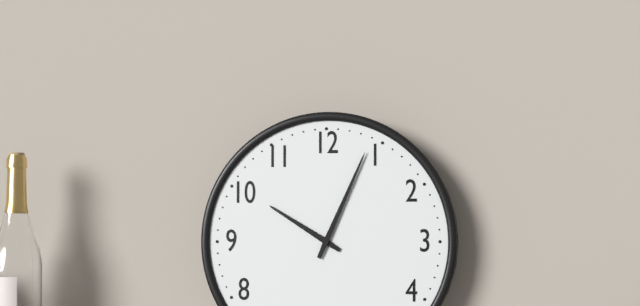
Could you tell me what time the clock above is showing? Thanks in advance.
10:04
